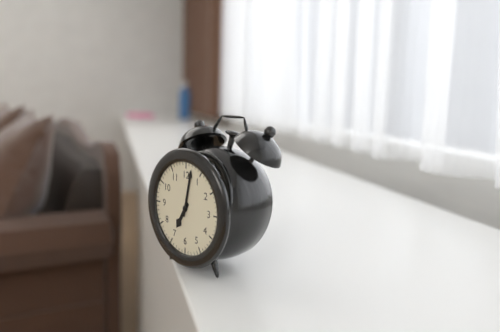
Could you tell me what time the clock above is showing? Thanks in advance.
7:02
